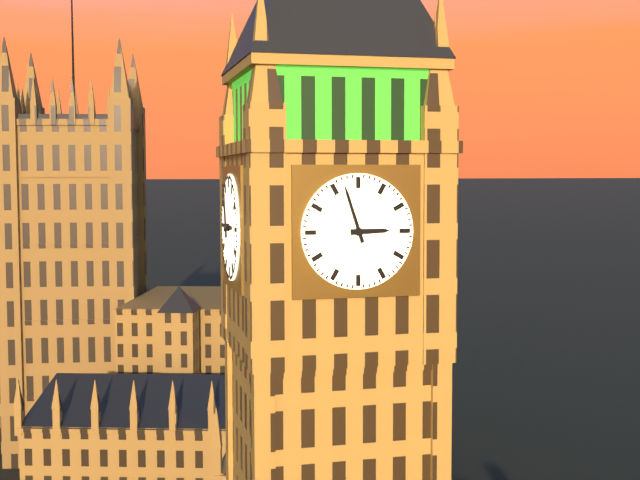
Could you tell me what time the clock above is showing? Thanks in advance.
2:57
